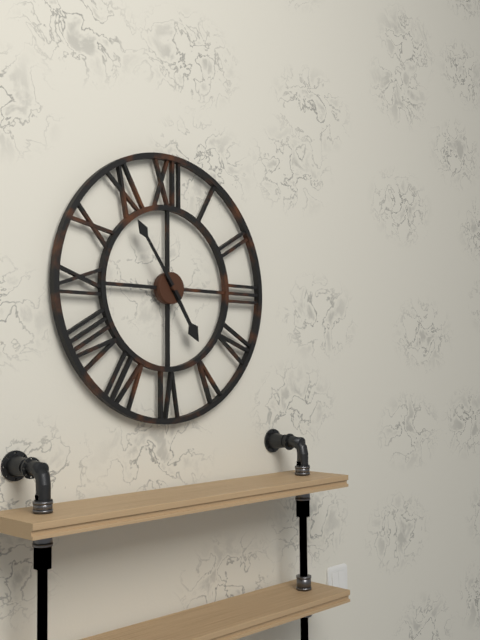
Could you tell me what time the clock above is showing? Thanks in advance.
4:54
